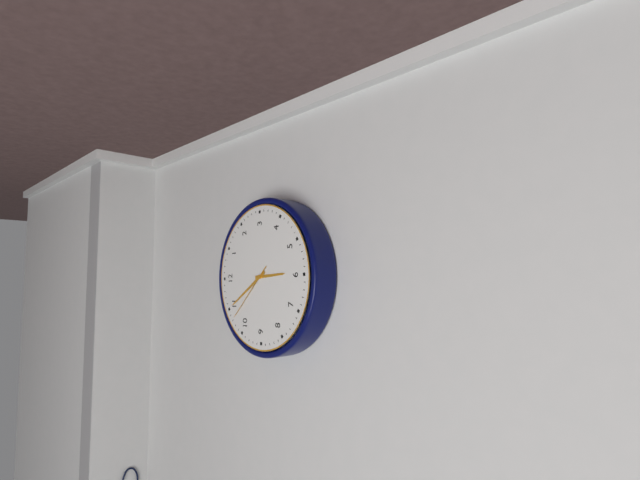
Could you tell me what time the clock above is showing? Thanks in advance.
5:55:53
